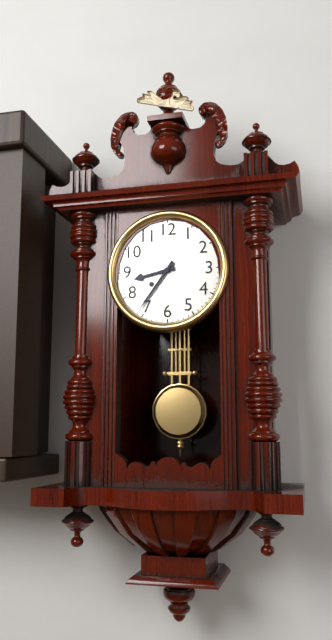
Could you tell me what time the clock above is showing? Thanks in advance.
8:36
